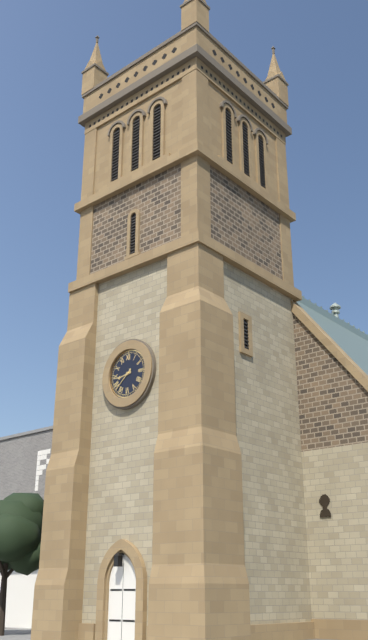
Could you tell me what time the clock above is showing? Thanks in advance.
8:38
